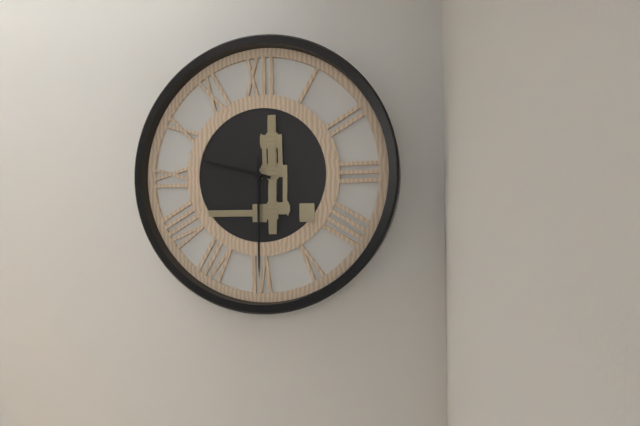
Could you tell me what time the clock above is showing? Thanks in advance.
9:30
